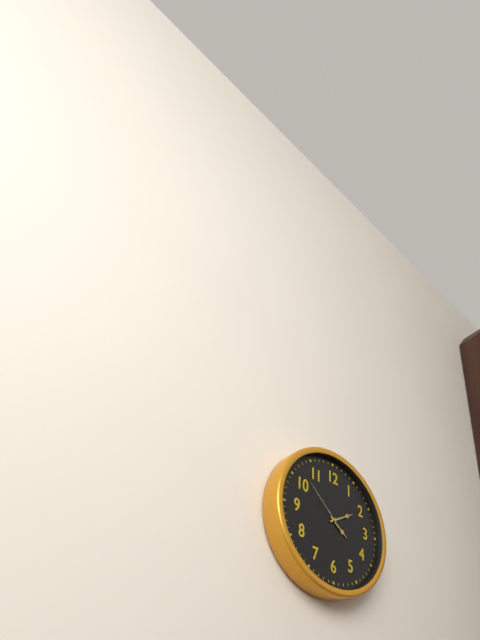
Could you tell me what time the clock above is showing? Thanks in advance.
4:10:52
